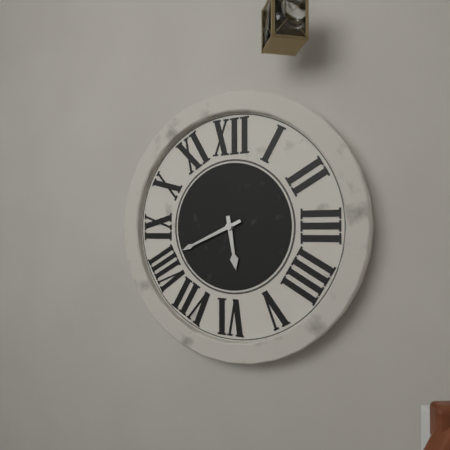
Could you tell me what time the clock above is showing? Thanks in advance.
5:41
